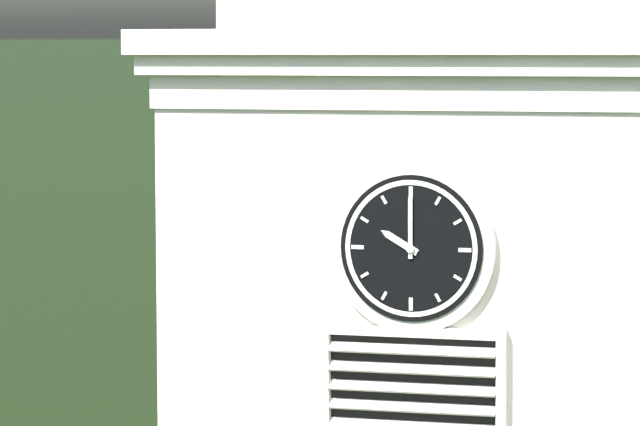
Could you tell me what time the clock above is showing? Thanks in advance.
10:00
